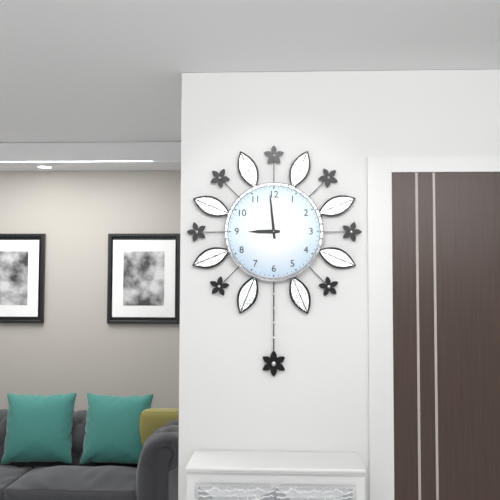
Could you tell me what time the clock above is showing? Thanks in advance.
8:59
